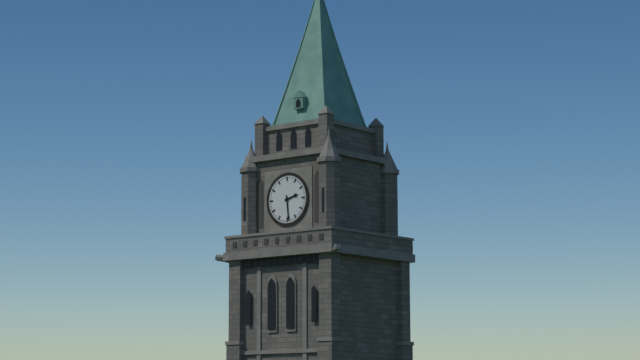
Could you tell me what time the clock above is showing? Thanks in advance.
2:29
